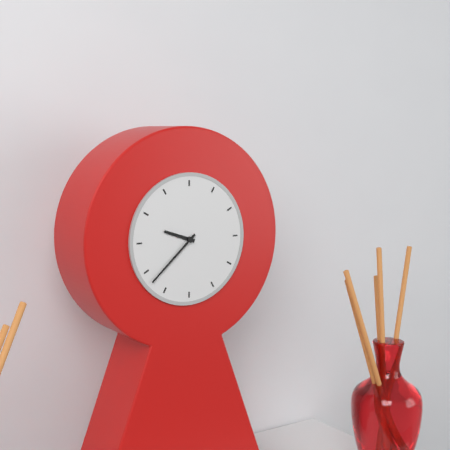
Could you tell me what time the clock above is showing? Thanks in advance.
9:38
